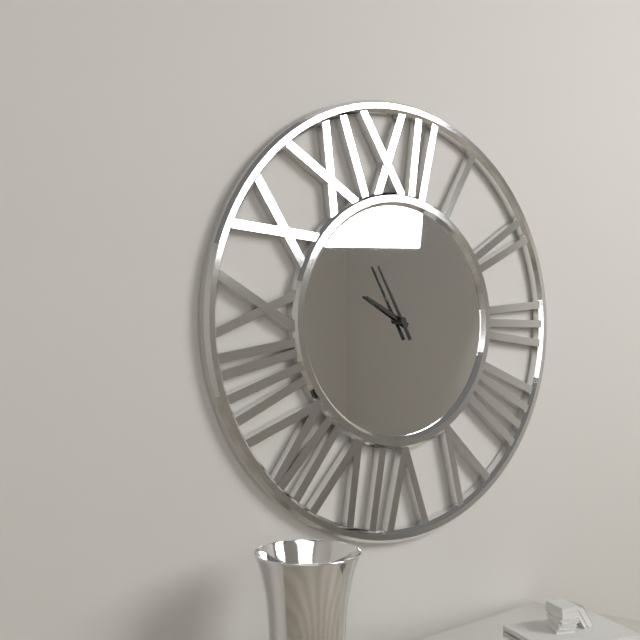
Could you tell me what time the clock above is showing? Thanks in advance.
9:55
